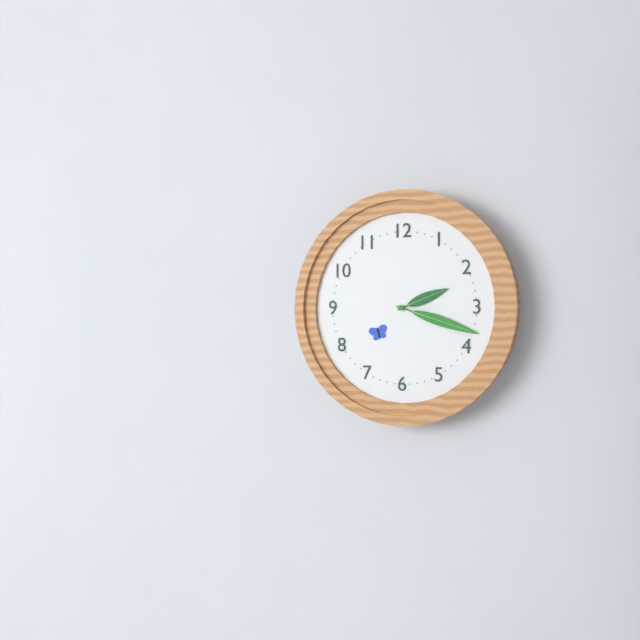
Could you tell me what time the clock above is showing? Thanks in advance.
2:18
